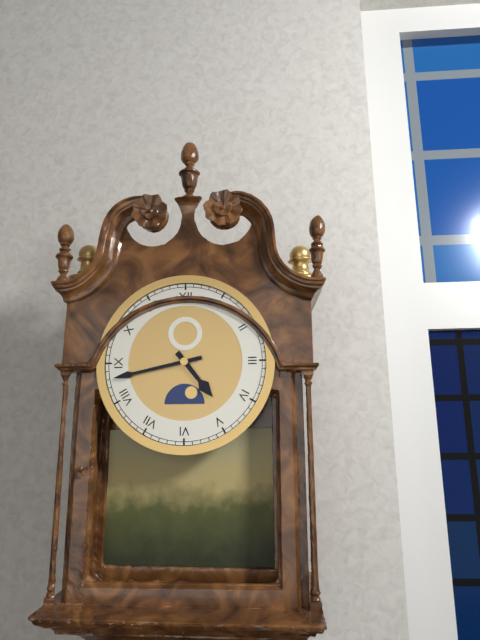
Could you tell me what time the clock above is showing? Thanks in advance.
4:43
